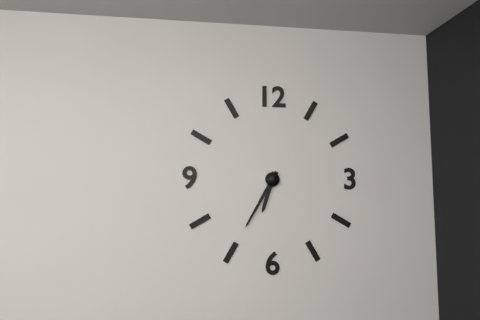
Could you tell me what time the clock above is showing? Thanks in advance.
6:35
